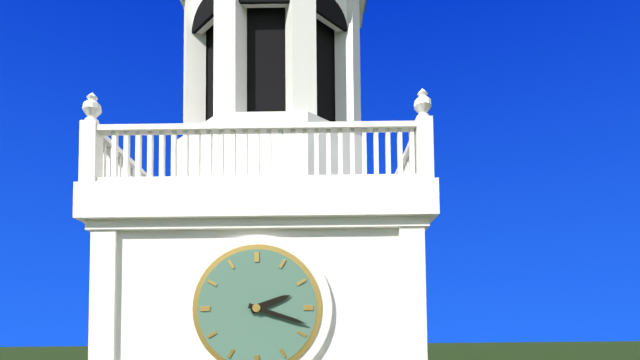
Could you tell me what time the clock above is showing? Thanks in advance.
2:18
